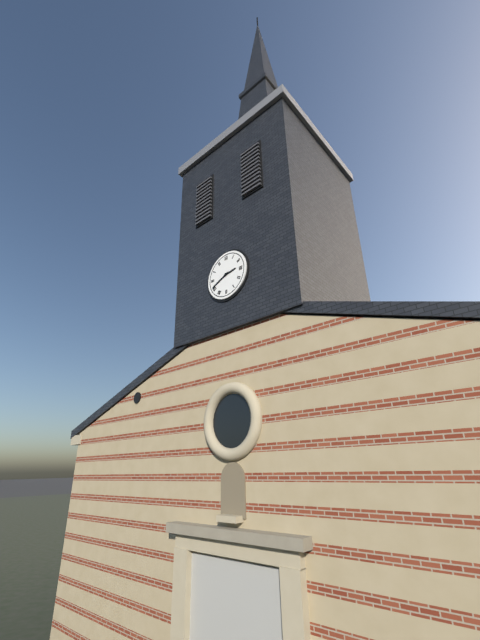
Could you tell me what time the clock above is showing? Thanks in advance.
2:41
